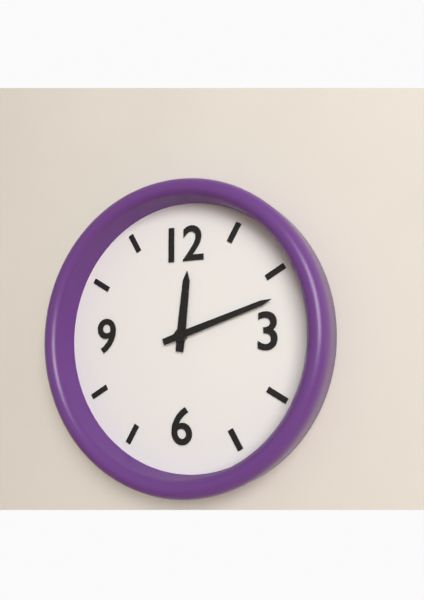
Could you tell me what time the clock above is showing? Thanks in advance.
12:12
